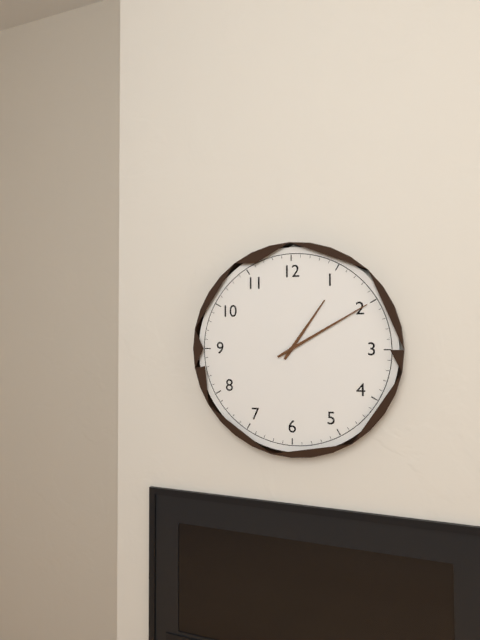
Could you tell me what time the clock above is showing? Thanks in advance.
1:10
